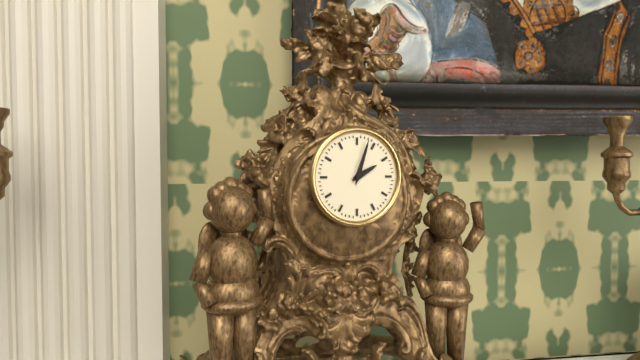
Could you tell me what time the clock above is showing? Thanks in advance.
2:03
